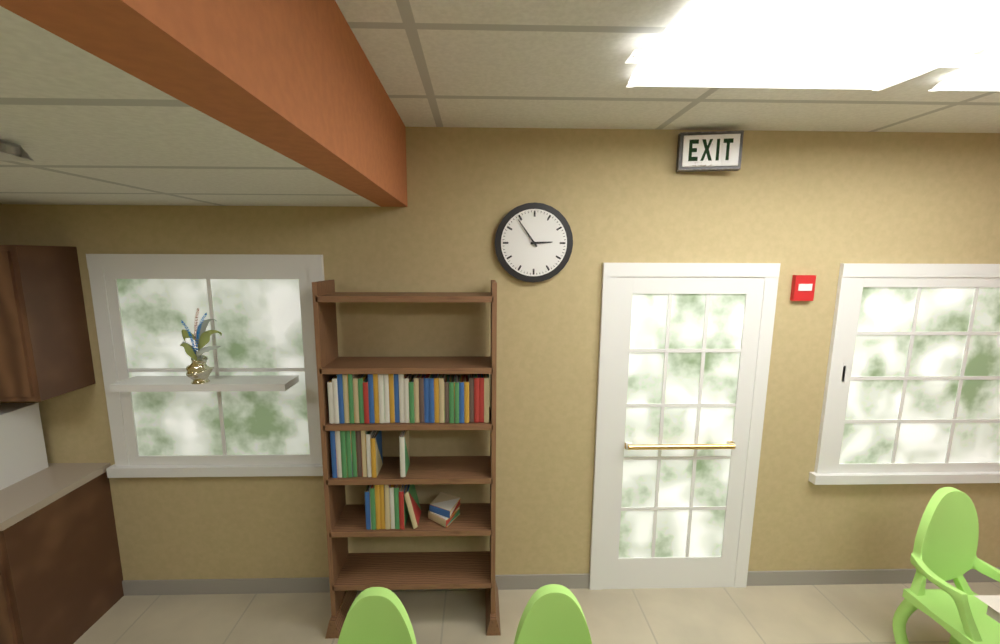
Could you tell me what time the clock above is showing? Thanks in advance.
2:54
